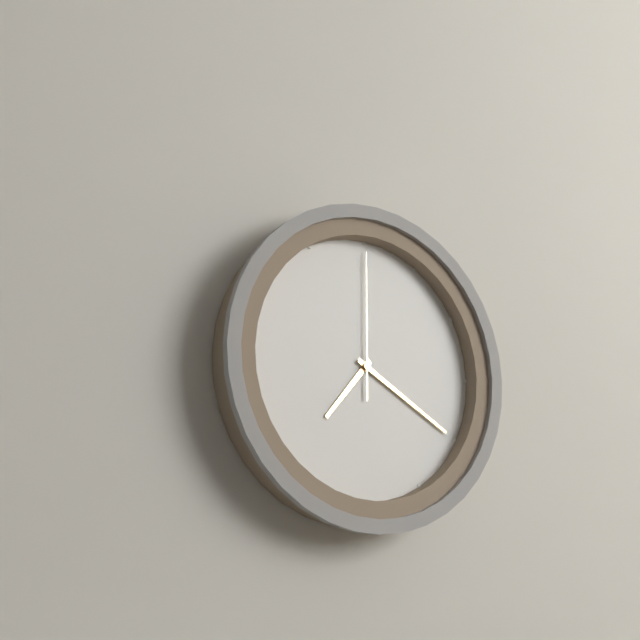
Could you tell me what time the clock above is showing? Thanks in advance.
7:20:00
